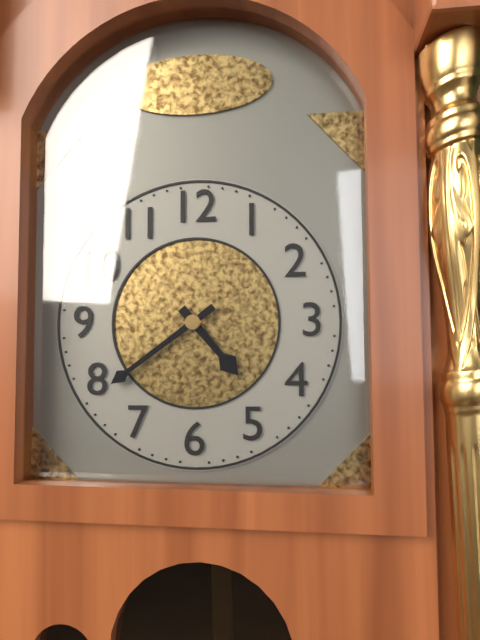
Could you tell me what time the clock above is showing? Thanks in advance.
4:39
